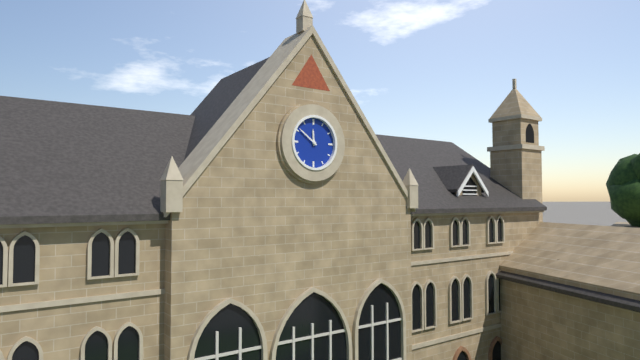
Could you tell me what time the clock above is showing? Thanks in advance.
11:51
